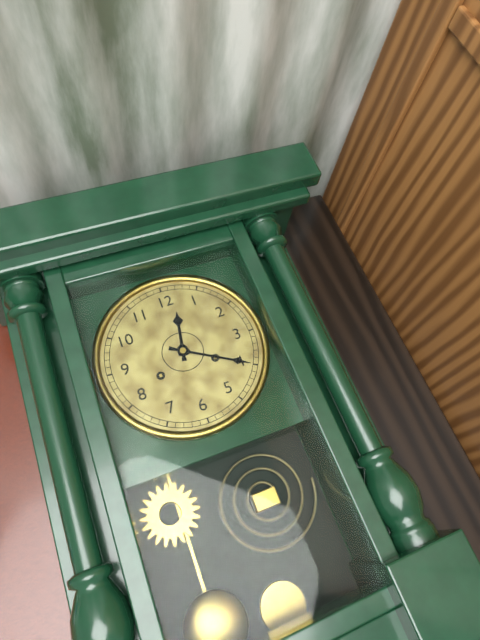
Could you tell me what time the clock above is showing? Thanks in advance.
12:20
